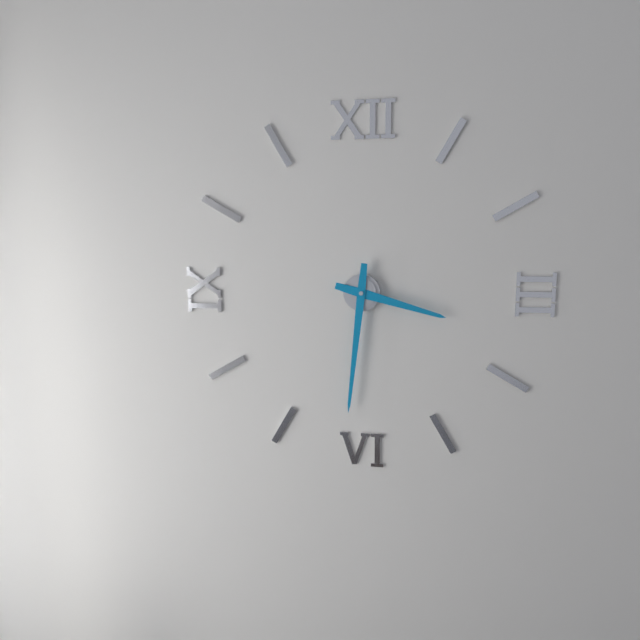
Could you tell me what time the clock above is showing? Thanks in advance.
3:31
